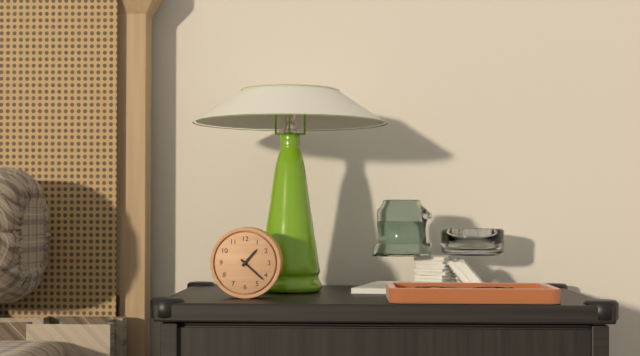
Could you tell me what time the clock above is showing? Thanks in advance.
1:22
